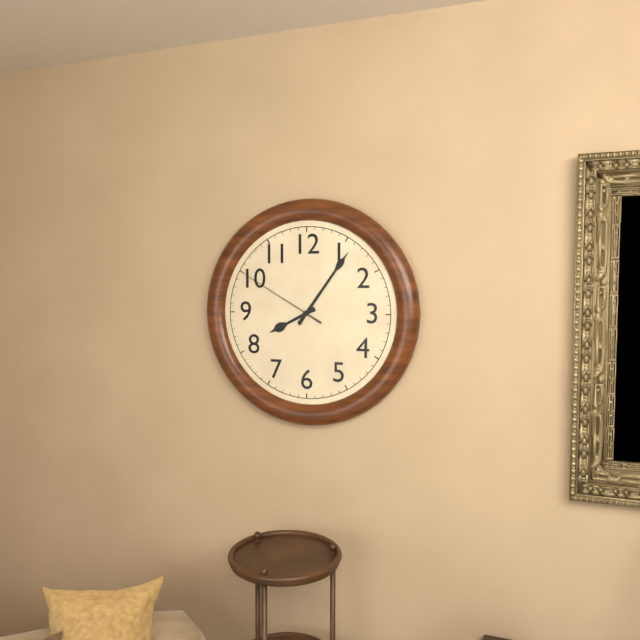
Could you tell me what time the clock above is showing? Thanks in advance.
8:06:50
